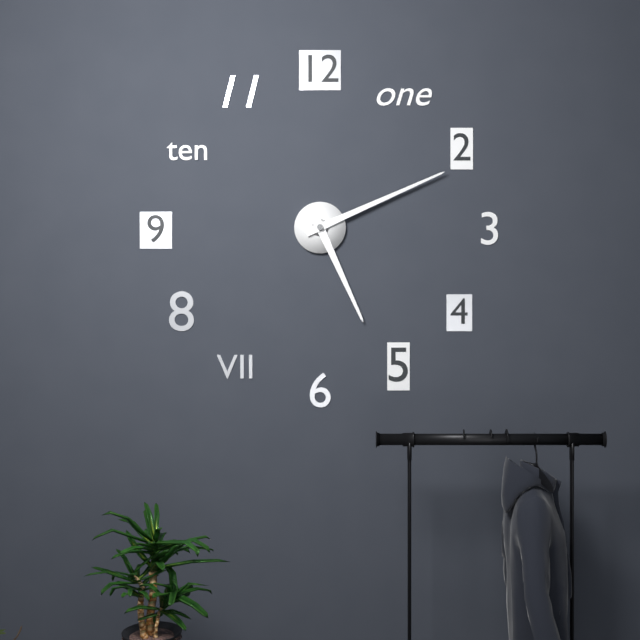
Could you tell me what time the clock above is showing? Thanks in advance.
5:11
